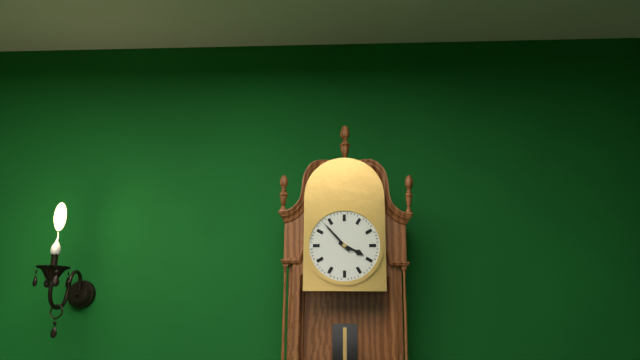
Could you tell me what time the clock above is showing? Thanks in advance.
3:53
